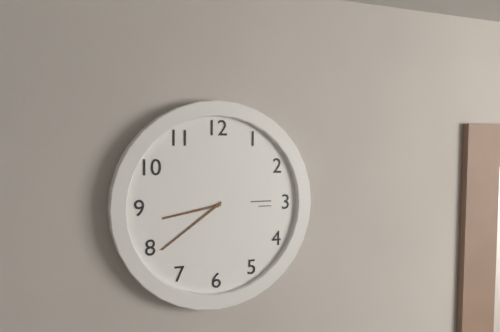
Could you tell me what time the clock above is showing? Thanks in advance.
8:39
